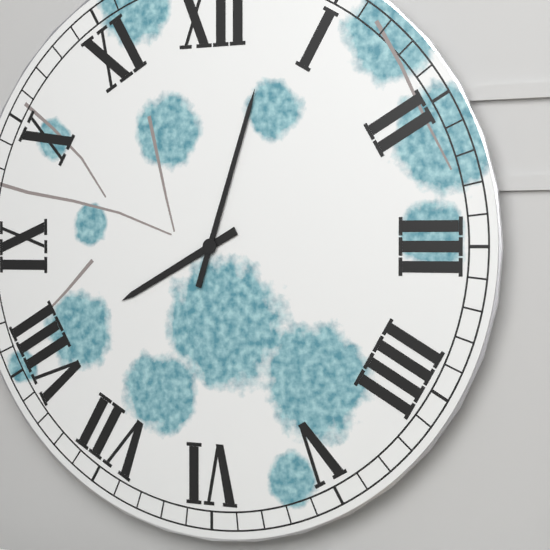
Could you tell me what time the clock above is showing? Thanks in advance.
8:03
